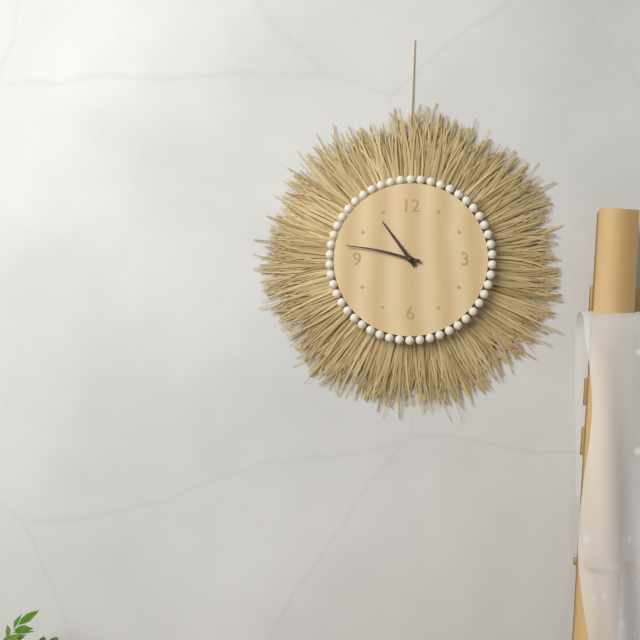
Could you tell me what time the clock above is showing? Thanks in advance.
10:47
